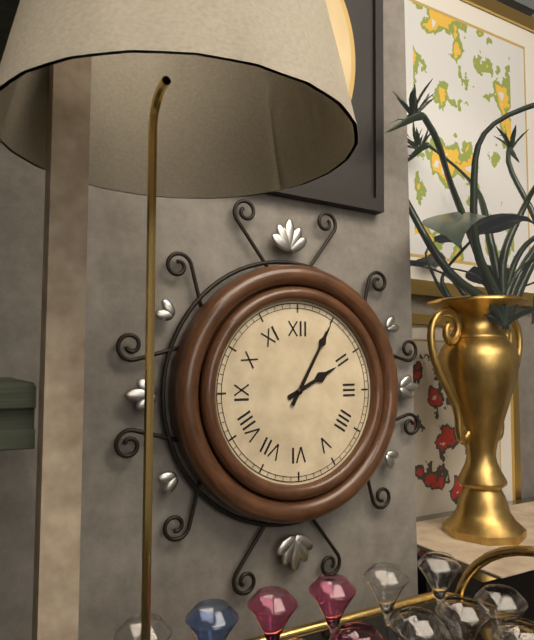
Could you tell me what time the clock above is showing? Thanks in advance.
2:05
